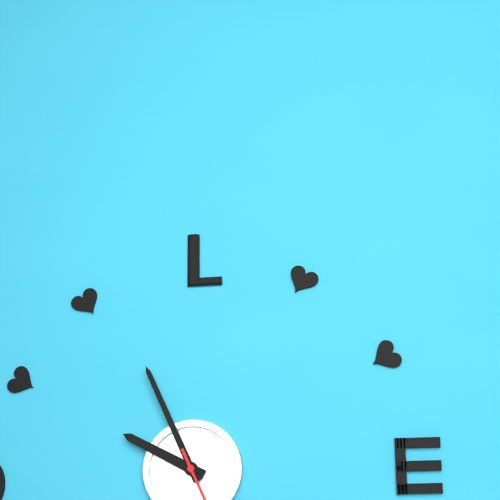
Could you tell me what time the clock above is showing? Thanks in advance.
9:56
